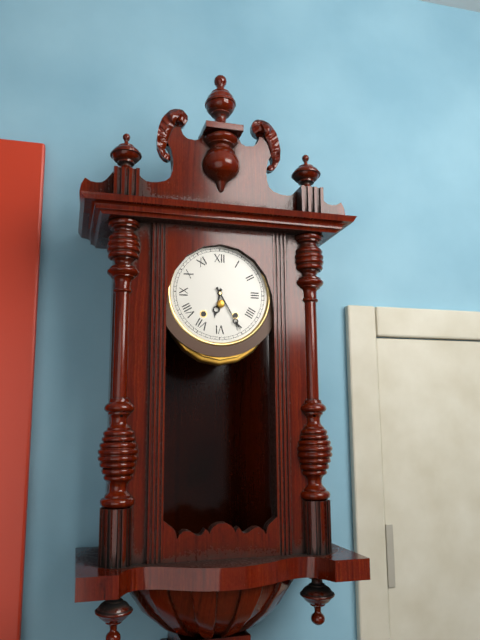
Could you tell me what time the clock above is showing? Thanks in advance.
6:25
